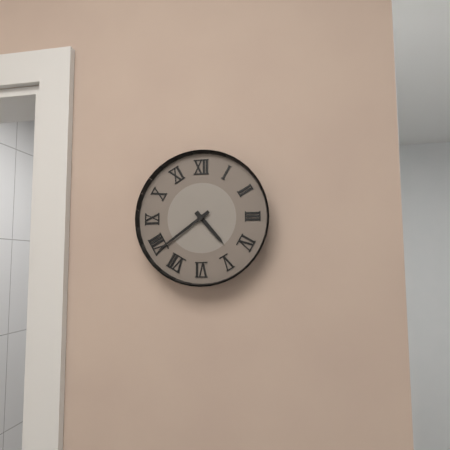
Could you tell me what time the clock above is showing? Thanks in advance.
4:39
